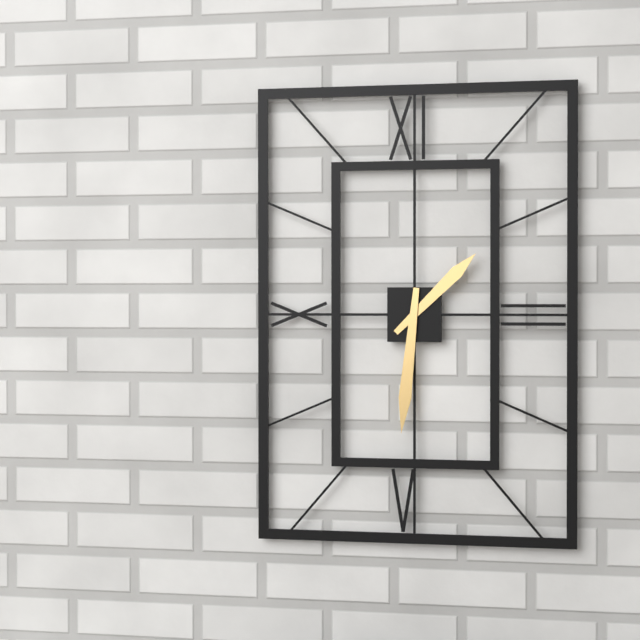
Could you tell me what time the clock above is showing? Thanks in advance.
1:31
